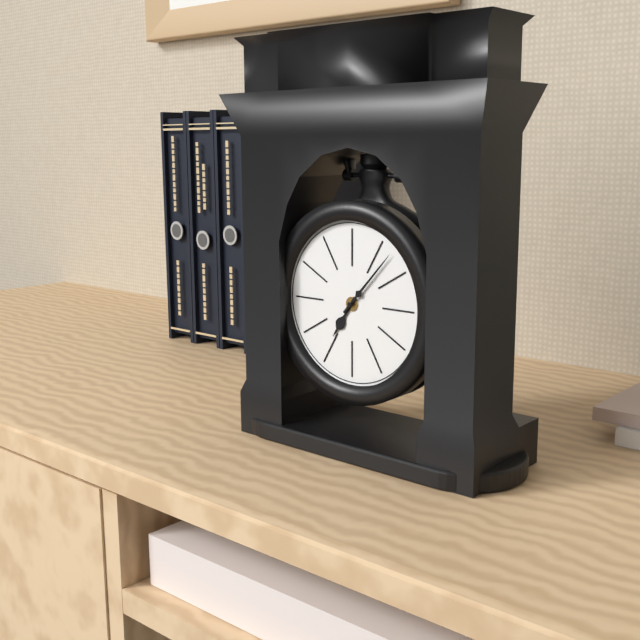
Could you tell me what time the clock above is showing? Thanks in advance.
7:07
